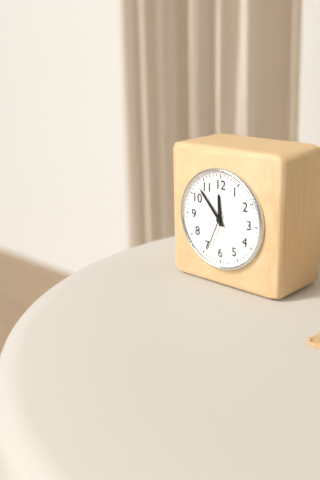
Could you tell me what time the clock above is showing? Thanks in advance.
11:53
